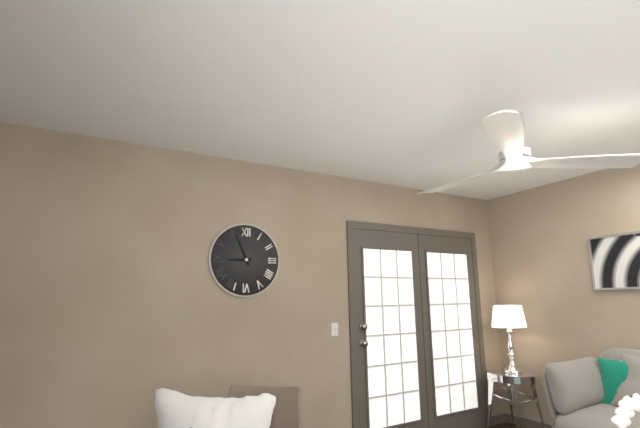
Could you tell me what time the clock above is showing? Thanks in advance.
8:56
